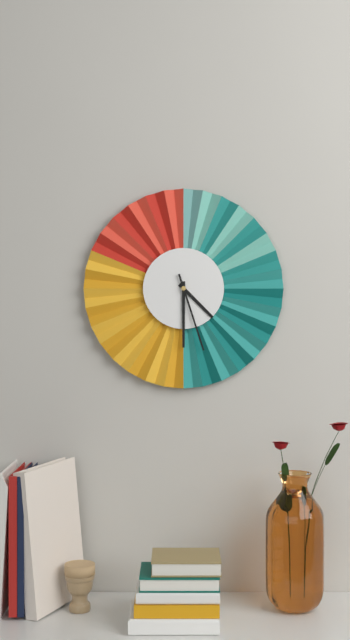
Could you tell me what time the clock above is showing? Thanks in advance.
4:30:27
